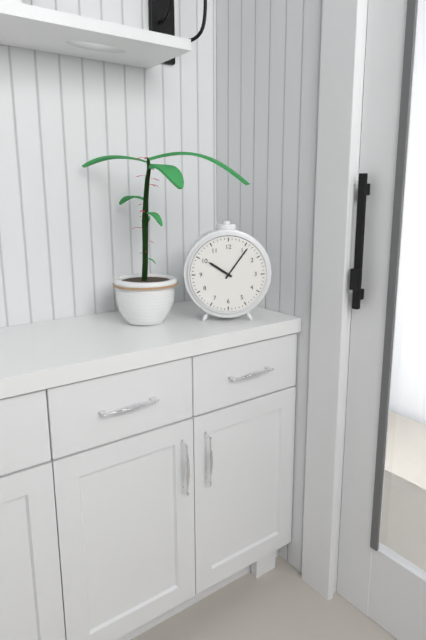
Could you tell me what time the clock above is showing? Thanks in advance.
10:06
